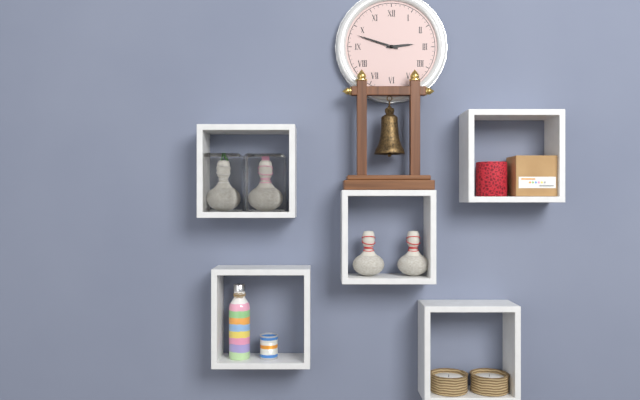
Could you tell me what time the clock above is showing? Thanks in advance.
2:48
